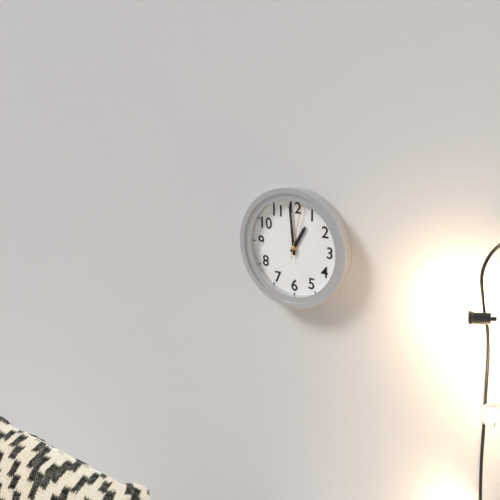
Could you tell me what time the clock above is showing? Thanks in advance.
12:59:02
